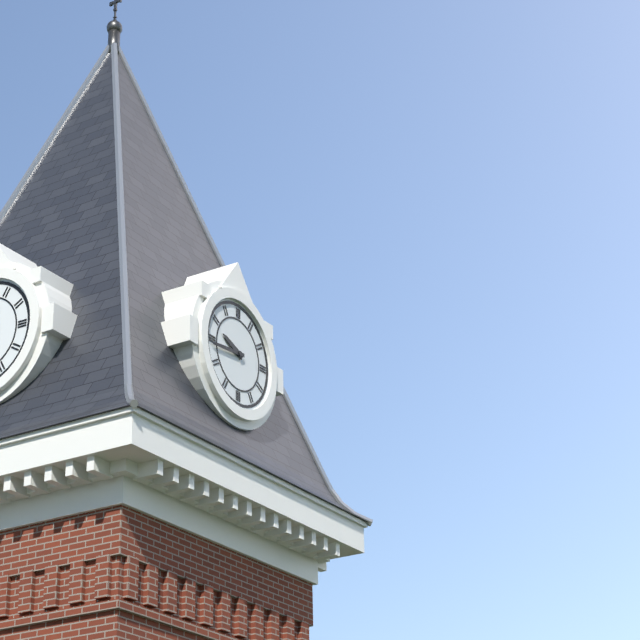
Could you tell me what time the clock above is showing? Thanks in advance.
9:44
